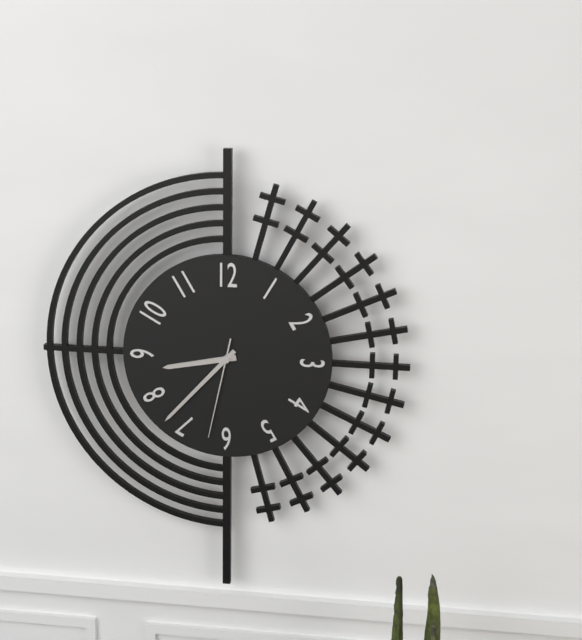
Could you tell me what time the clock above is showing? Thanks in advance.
8:37:32
